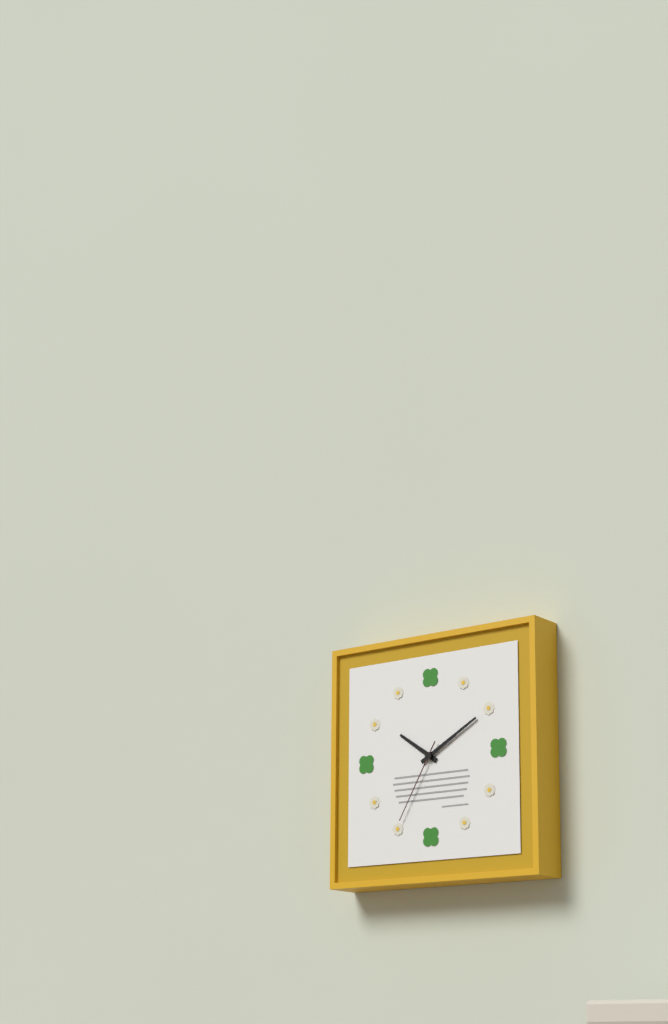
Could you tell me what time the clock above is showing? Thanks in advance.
10:10:35
